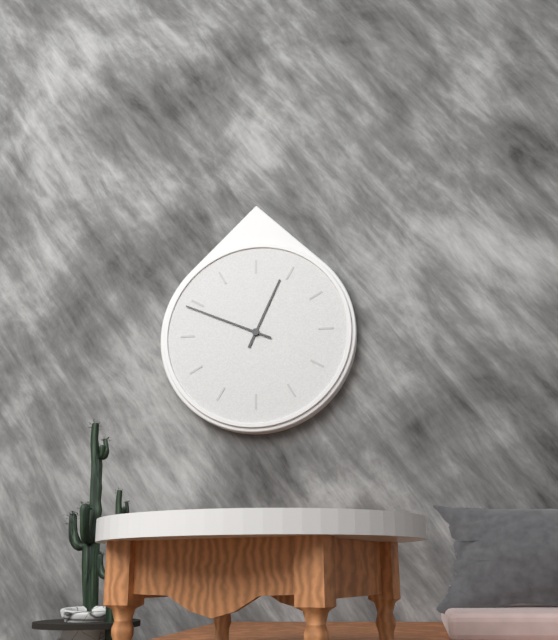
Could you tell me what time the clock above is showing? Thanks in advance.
12:49
